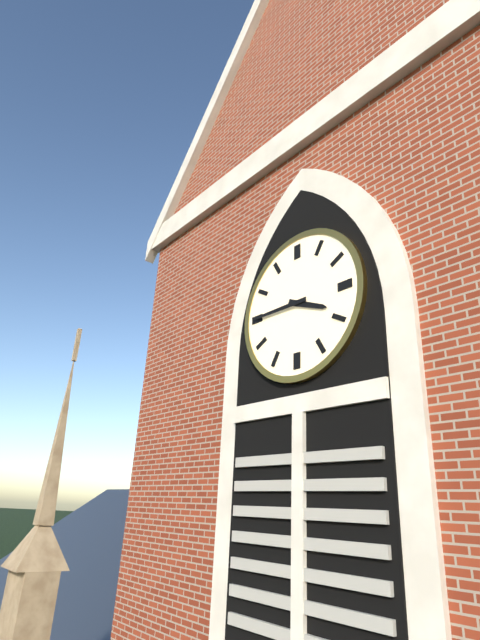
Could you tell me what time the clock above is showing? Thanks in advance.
3:45
